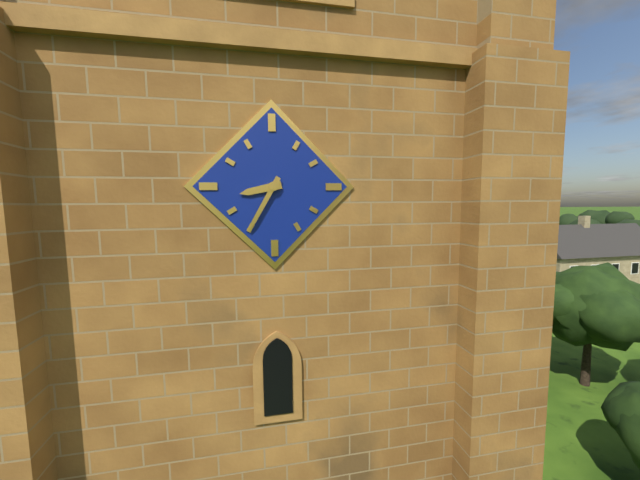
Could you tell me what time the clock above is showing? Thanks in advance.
8:35
